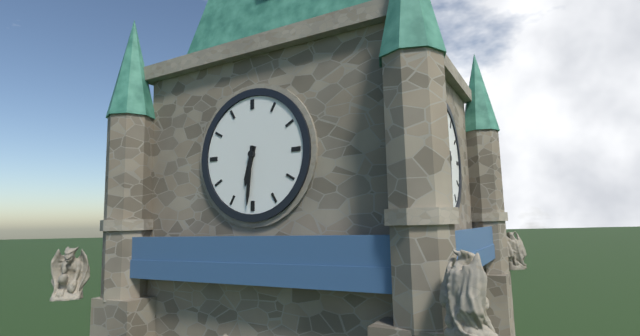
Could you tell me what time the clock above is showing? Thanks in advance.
6:31
